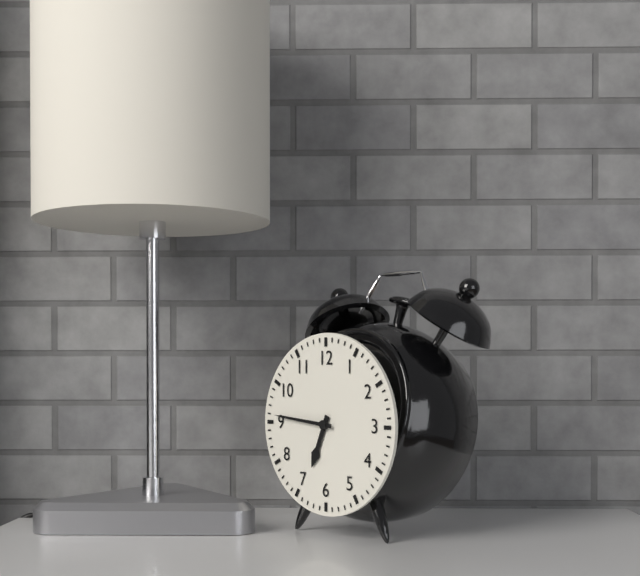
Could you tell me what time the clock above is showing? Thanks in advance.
6:46
